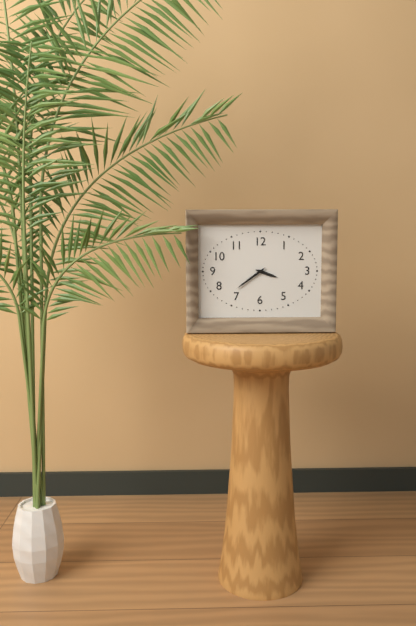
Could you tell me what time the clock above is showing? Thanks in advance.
3:39
